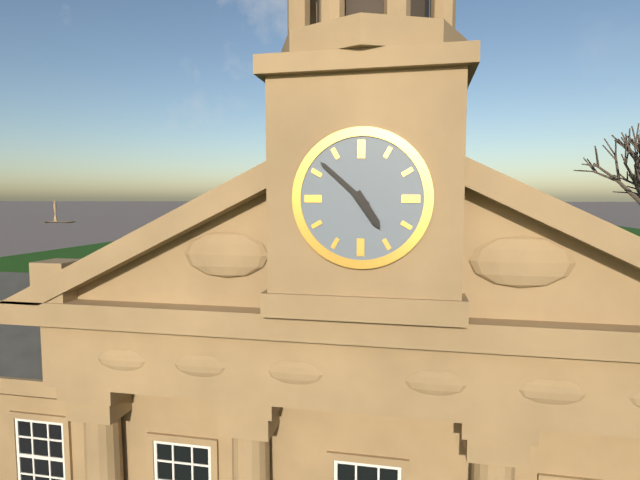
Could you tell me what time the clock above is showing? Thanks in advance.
4:52
